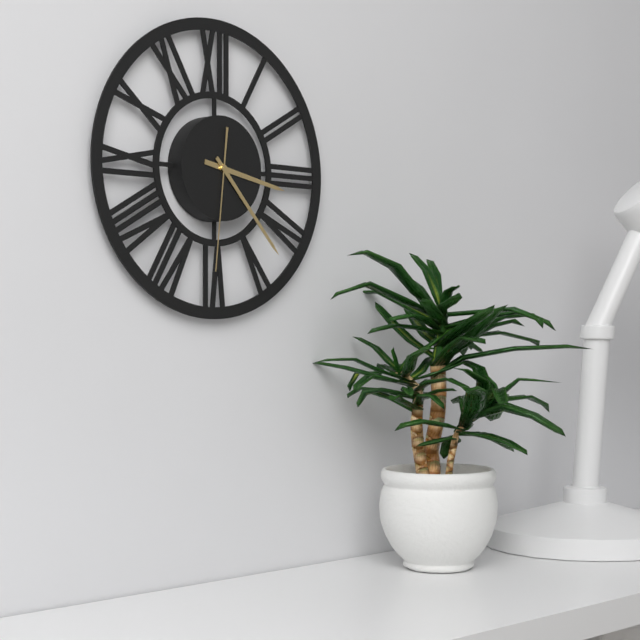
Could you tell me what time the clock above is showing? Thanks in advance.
3:23:31
